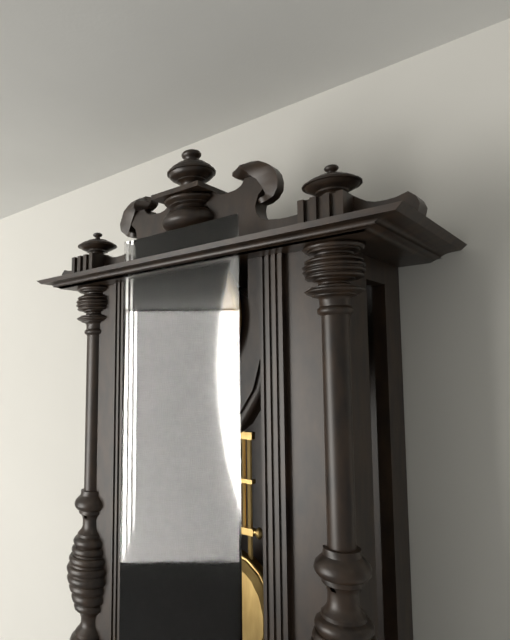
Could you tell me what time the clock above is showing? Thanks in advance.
9:45
